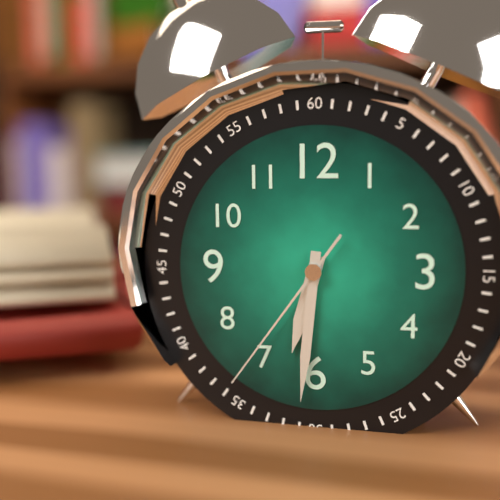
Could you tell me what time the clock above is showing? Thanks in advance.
6:31:36
